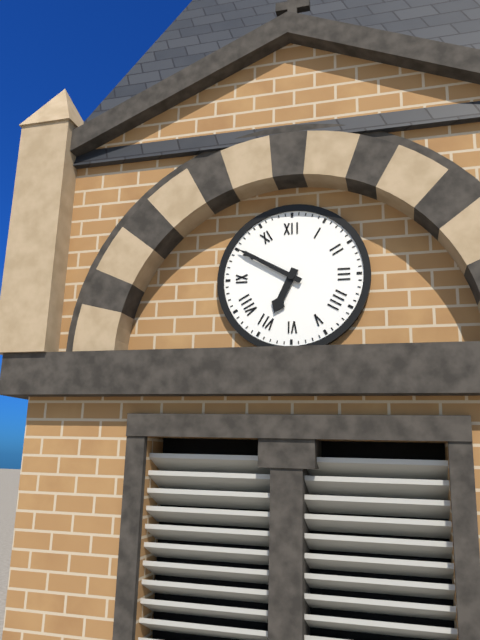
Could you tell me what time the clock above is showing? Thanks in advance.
6:50
